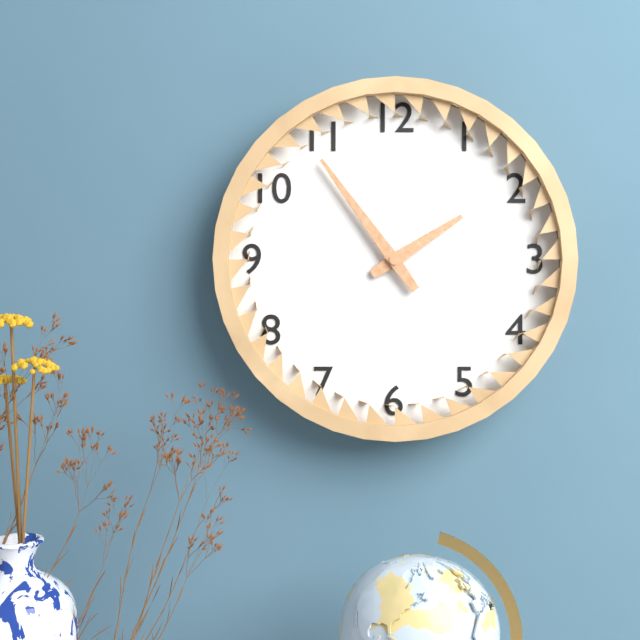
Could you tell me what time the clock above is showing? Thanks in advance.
1:54
